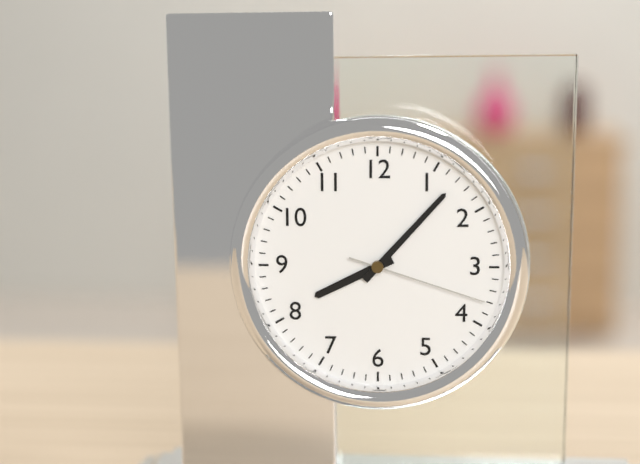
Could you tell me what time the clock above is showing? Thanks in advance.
8:07:18
